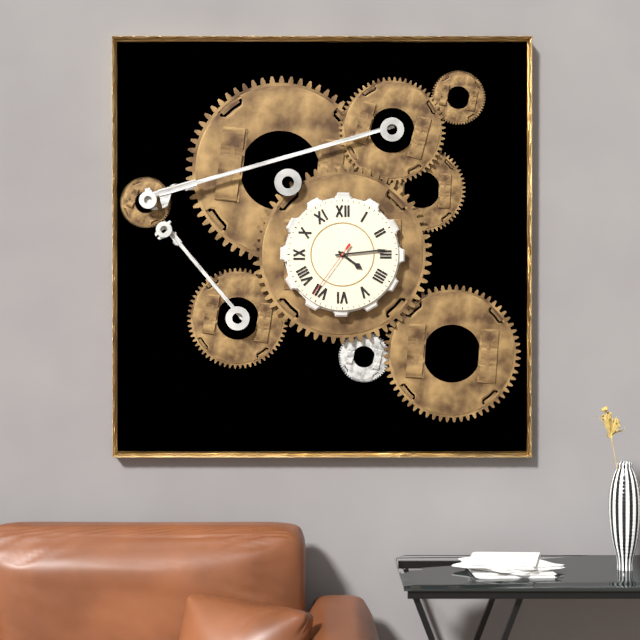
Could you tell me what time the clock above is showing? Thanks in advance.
4:14:36
